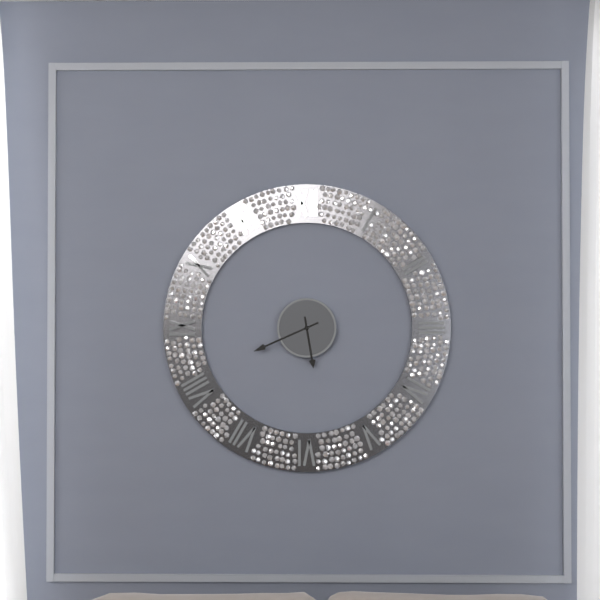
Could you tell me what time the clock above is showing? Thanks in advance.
5:41
